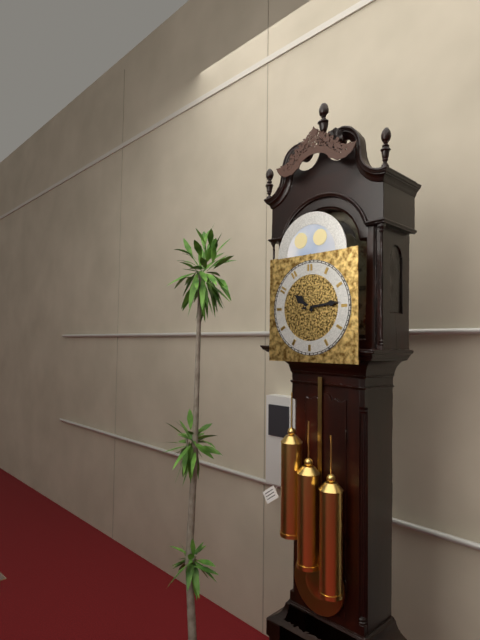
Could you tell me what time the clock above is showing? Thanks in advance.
10:14
